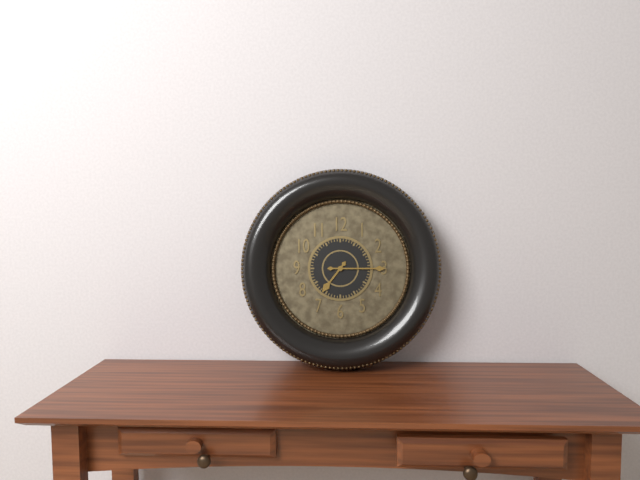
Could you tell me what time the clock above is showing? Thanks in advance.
7:15
